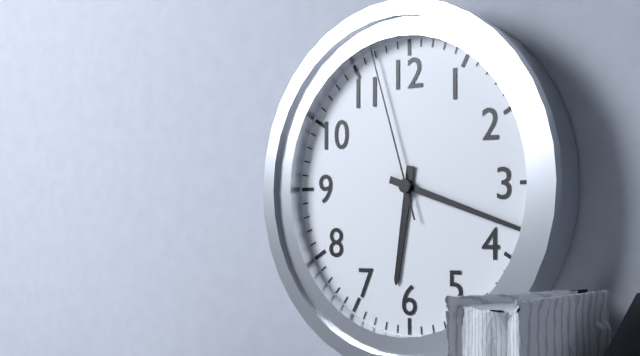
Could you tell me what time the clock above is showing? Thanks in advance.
6:18:57
